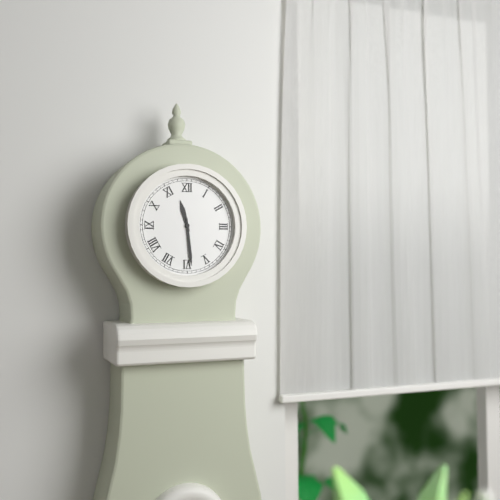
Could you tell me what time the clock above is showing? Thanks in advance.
11:29
